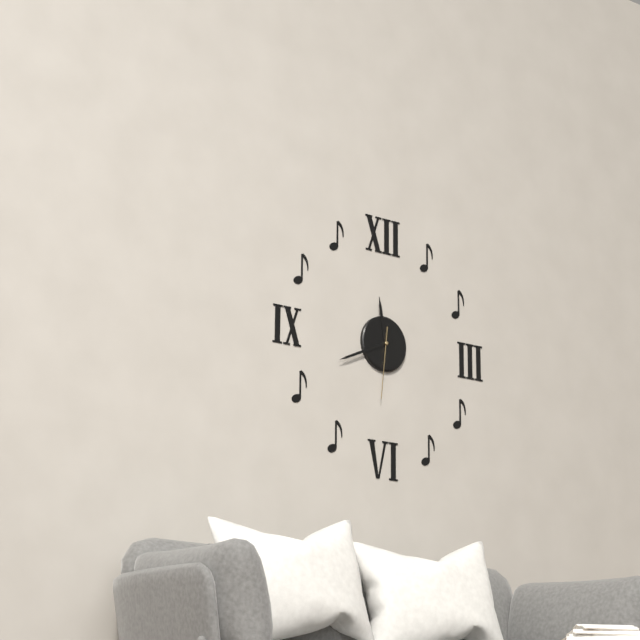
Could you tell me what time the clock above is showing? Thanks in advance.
11:41:31
